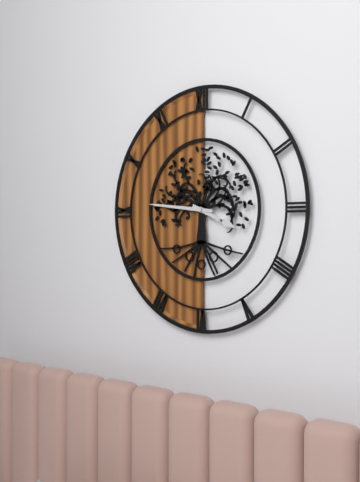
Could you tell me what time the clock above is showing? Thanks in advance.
3:46
